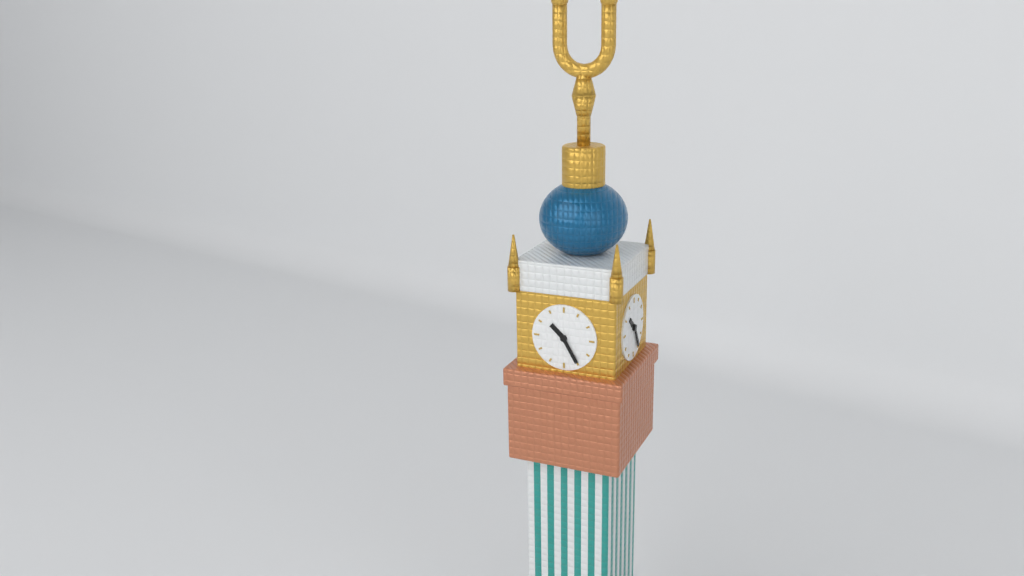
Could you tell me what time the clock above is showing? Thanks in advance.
10:25
